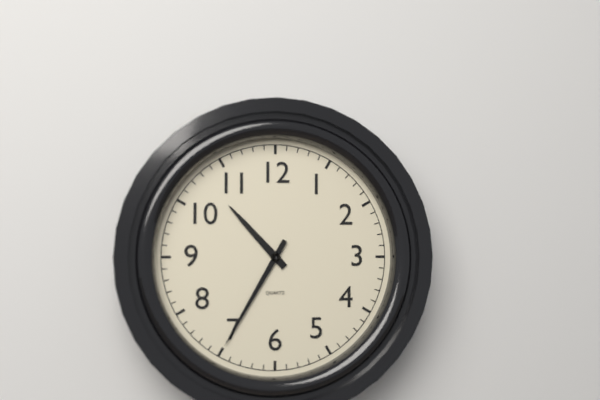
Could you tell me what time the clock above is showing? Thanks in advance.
10:35
